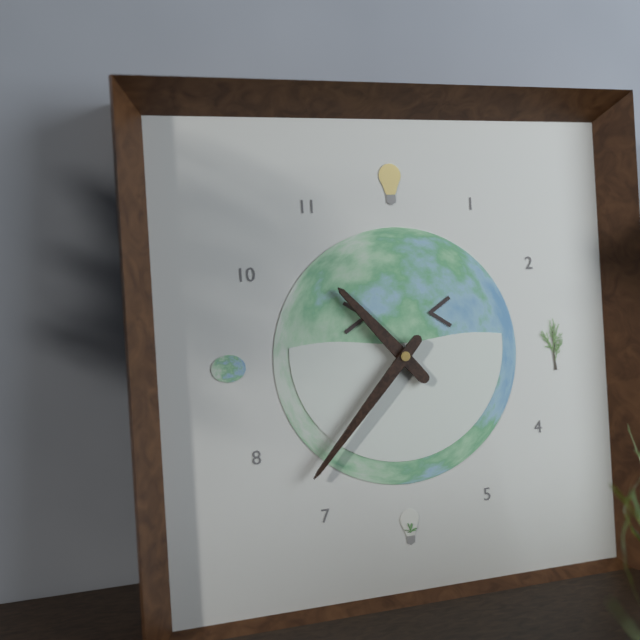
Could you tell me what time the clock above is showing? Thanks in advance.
10:37
